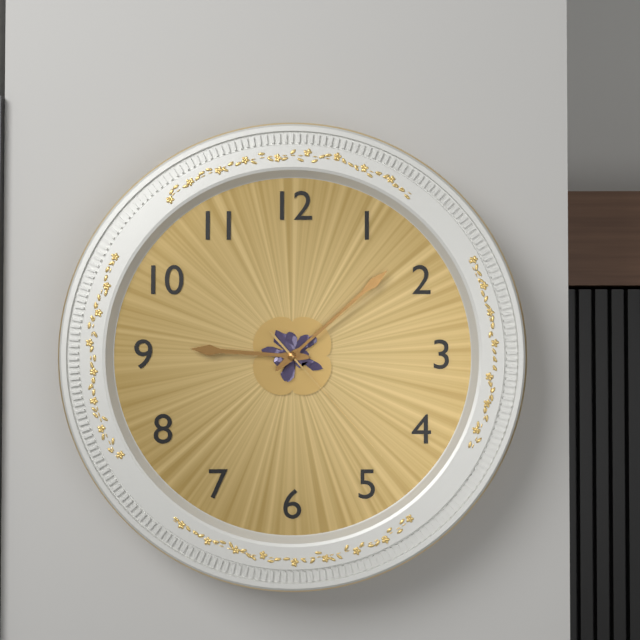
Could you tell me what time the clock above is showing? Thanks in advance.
9:08:23
